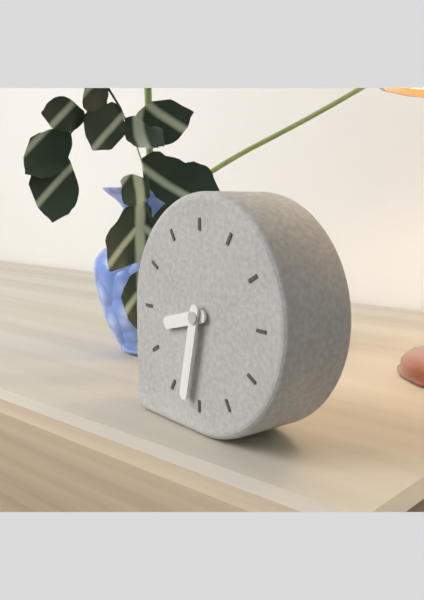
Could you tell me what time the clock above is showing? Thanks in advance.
8:32
